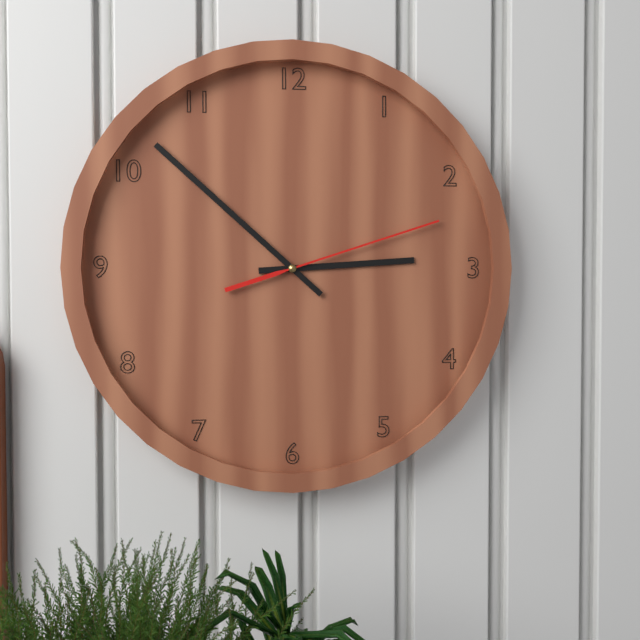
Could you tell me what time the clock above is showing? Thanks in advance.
2:52:12
